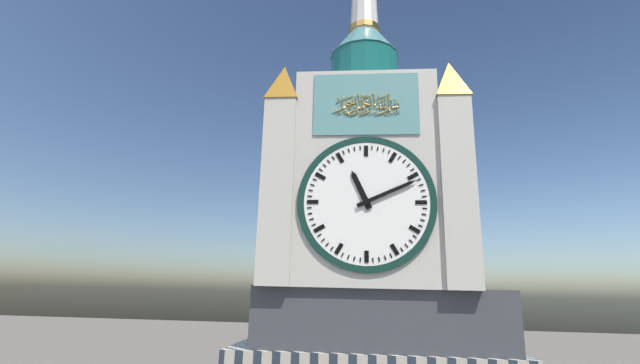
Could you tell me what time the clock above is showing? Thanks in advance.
11:11
